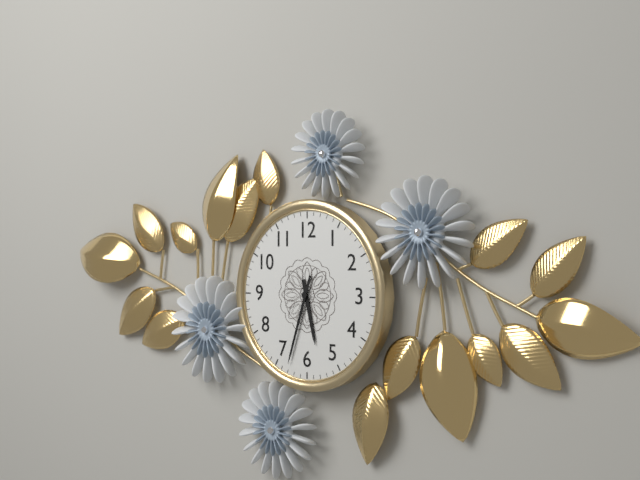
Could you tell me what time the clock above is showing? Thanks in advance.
5:33
